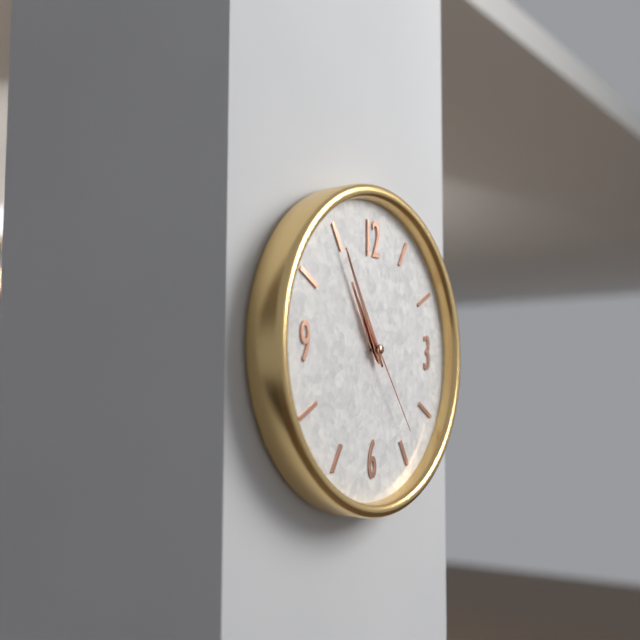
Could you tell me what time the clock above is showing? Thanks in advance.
10:55:24
